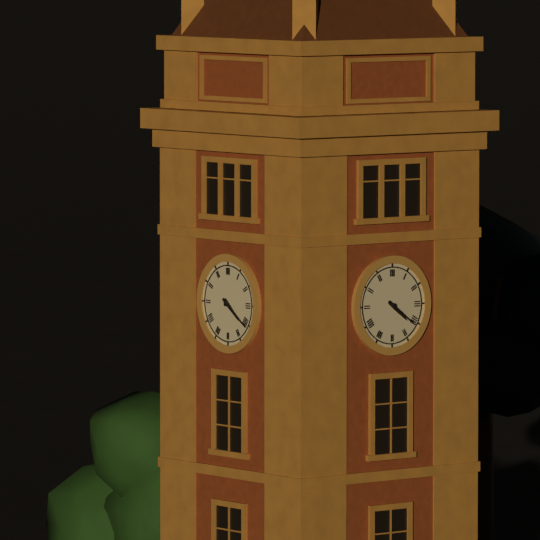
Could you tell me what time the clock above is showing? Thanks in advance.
4:21
